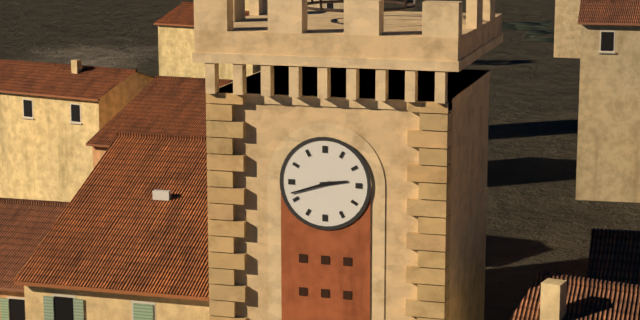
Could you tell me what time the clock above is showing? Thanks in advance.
2:42
